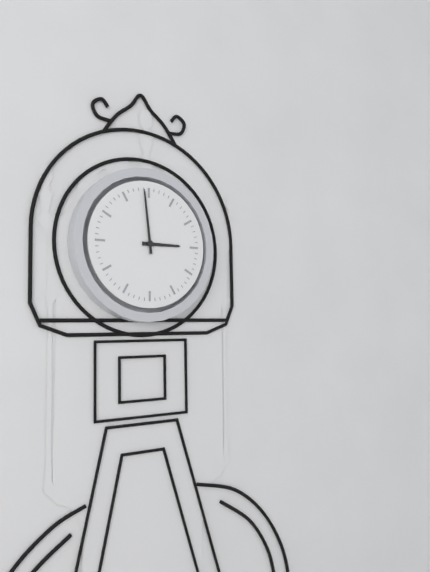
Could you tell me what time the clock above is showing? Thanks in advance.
2:59
